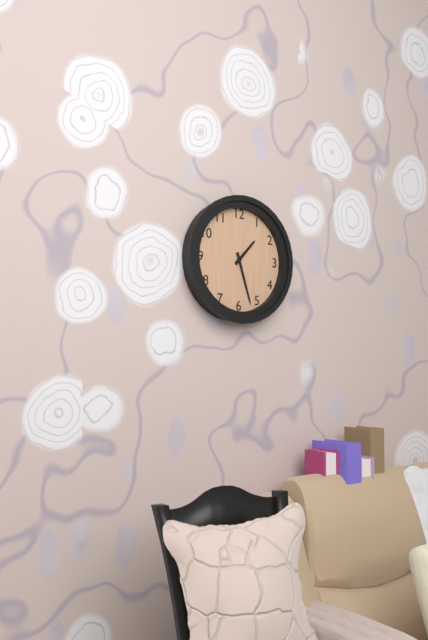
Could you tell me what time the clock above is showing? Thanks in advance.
1:27
